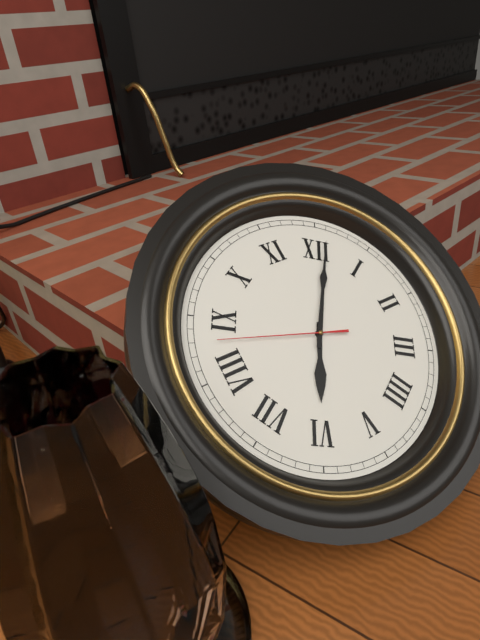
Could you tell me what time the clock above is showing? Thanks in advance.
6:01:43
